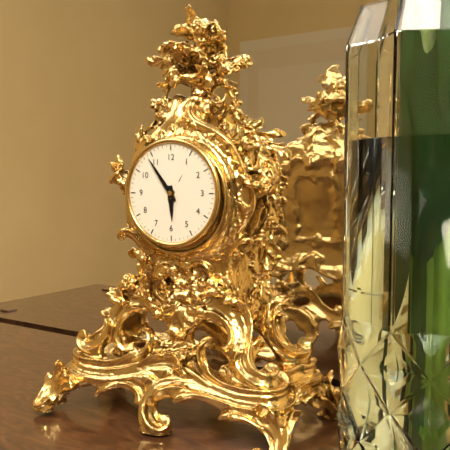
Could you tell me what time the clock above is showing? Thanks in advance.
5:54
